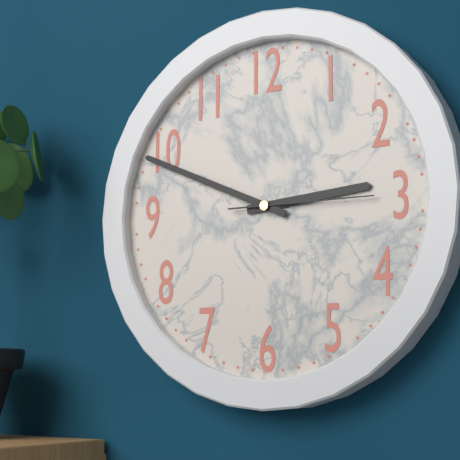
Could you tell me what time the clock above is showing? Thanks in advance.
2:49:15
